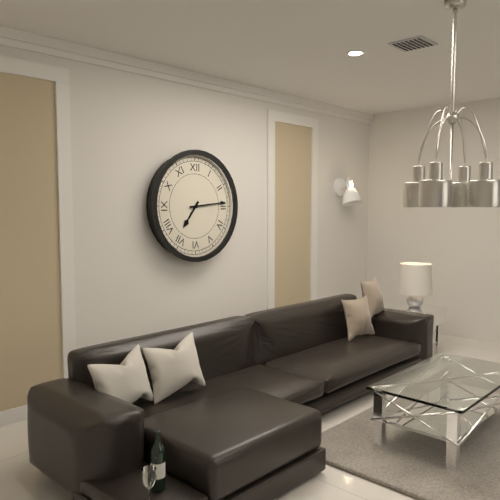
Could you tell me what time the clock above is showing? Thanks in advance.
7:14
